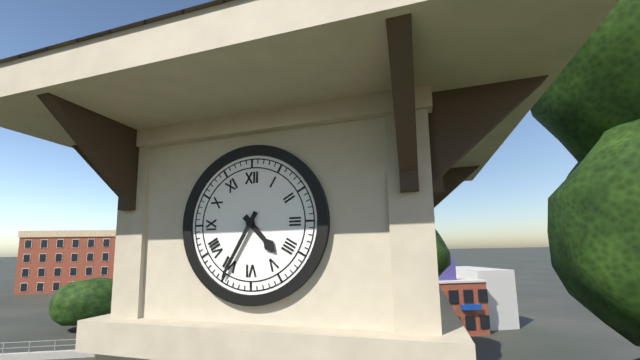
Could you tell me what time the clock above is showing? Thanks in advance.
4:35
